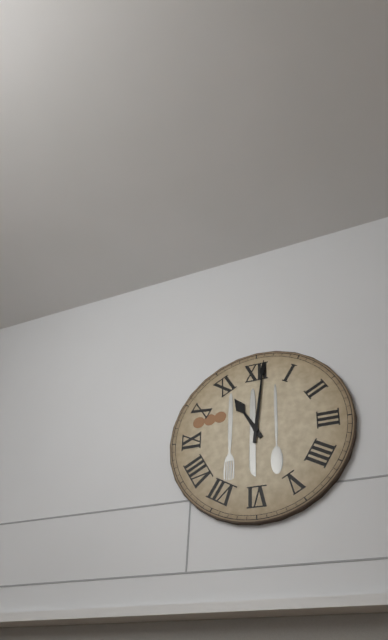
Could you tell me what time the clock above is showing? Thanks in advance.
11:01
